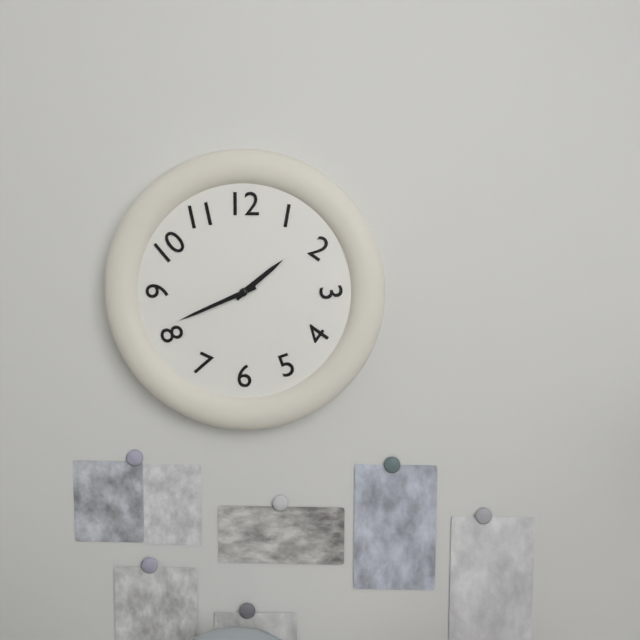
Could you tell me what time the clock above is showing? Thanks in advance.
1:41
